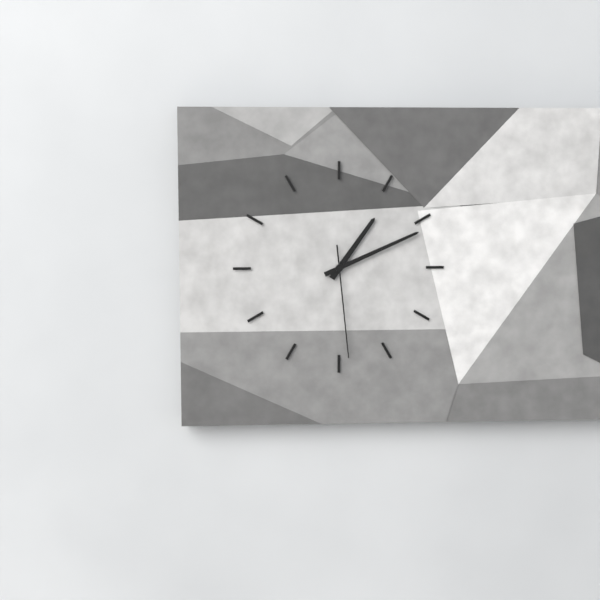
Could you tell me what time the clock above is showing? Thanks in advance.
1:11:29
